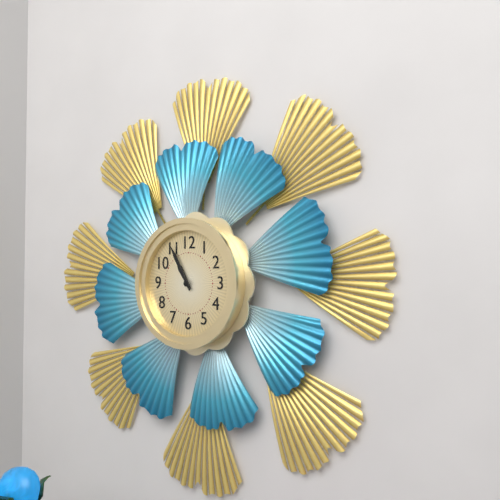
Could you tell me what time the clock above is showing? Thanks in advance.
10:55
